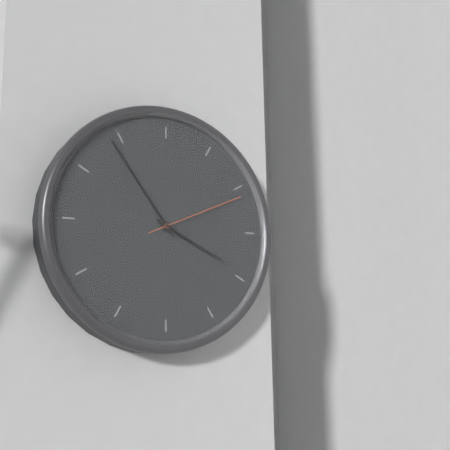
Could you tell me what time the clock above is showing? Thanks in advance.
3:54:11
